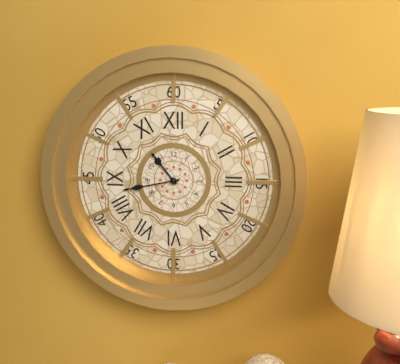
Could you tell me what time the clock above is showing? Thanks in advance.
10:43
